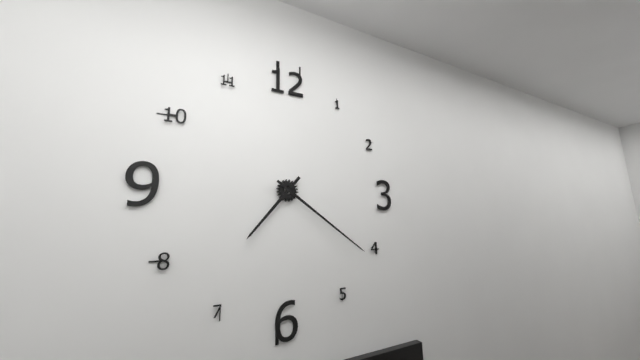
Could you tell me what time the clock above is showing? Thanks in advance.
7:21
